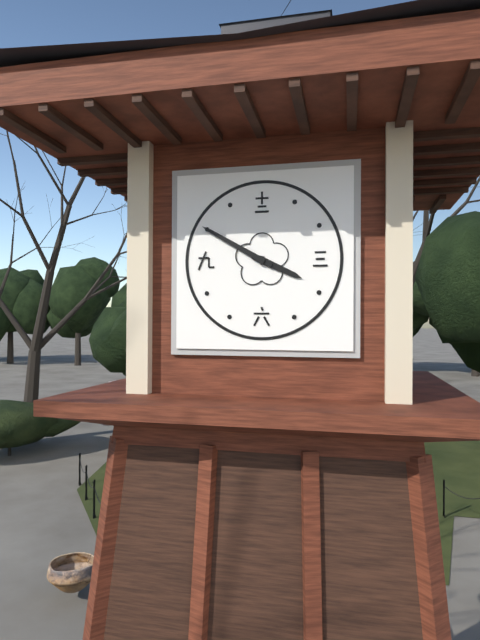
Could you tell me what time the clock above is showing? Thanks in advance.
3:50
